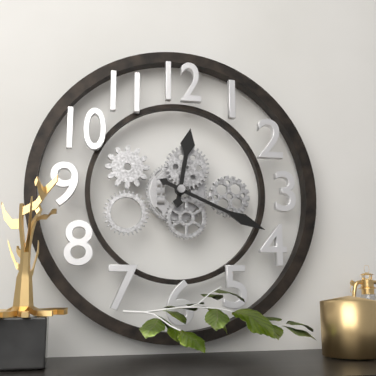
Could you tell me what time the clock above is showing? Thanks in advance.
12:19
